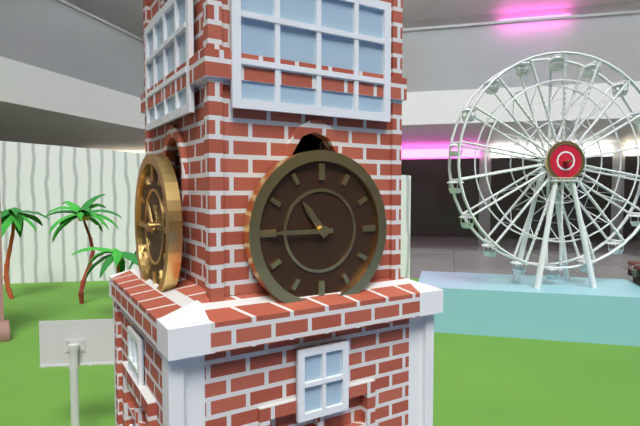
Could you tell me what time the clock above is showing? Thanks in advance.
10:45
